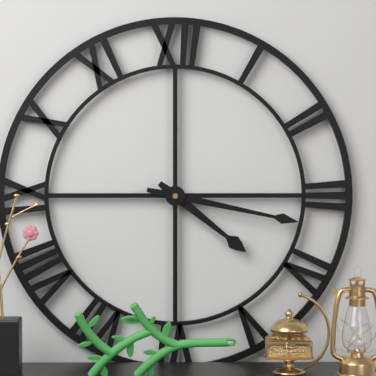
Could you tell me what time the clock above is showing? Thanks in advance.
4:17
